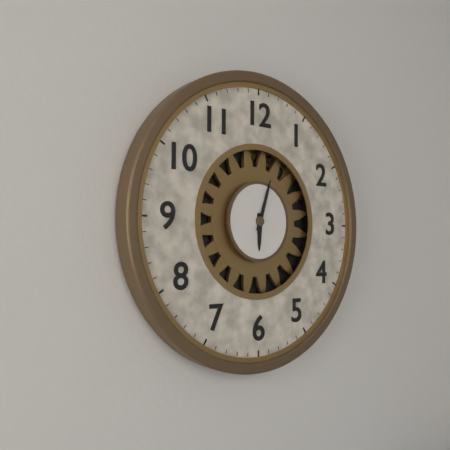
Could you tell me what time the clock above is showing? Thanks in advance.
6:03
